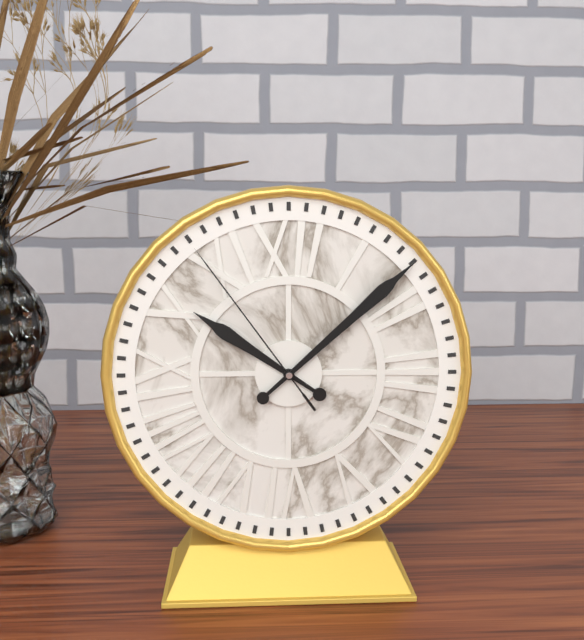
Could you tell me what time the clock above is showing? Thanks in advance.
10:08:54
